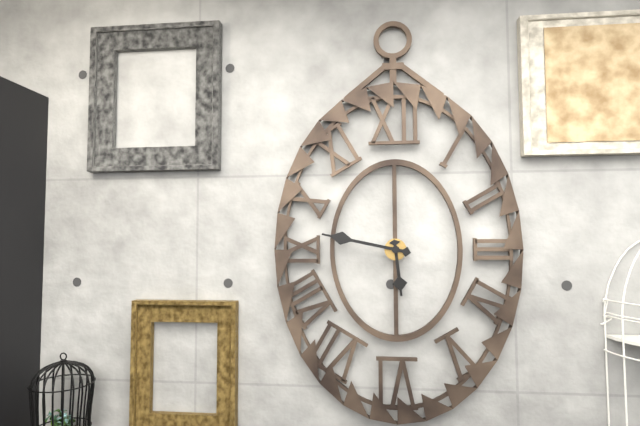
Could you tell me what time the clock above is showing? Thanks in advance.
5:47
